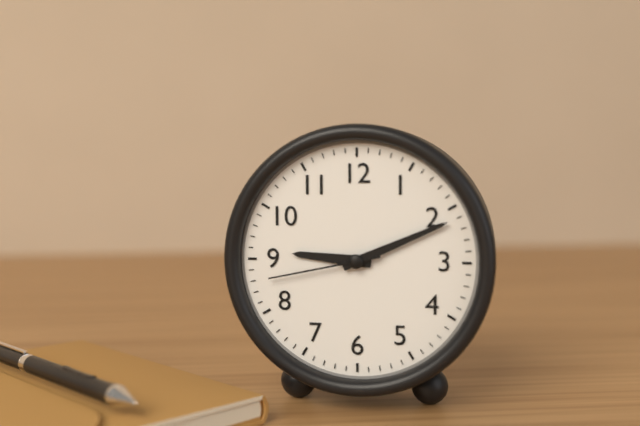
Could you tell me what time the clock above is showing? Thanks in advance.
9:11:43
